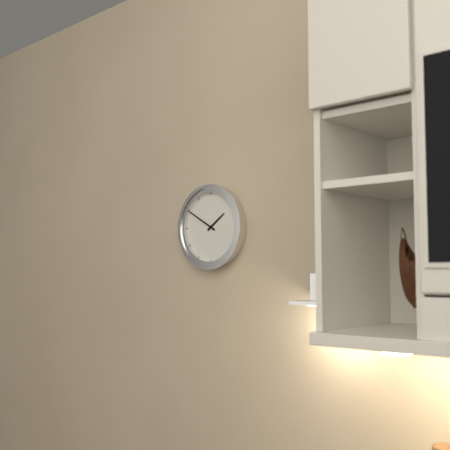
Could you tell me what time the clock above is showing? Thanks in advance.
1:50
